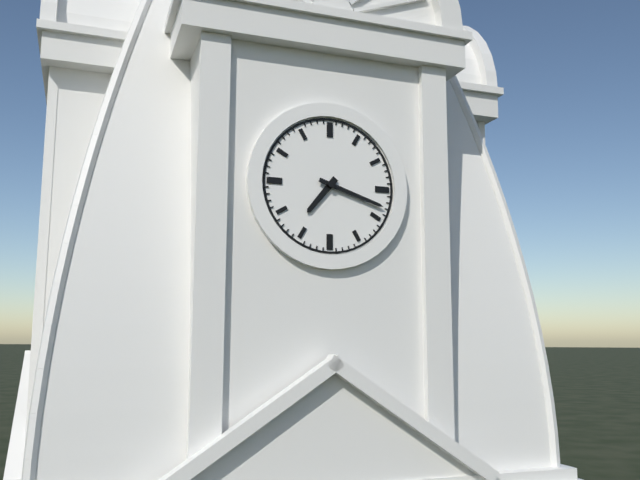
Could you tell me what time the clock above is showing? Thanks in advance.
7:18
